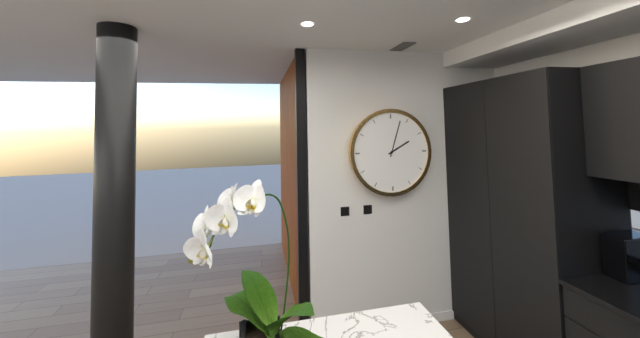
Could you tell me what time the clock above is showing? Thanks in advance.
2:03
